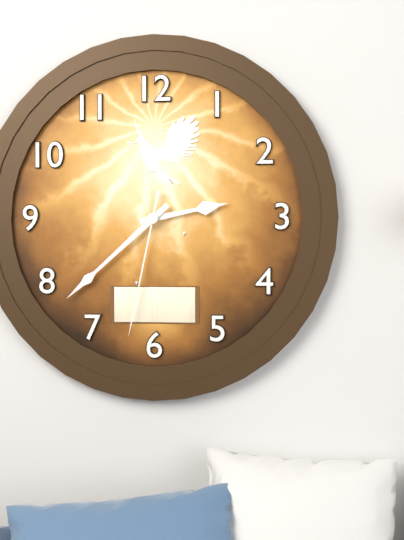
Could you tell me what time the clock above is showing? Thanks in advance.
2:38:32
